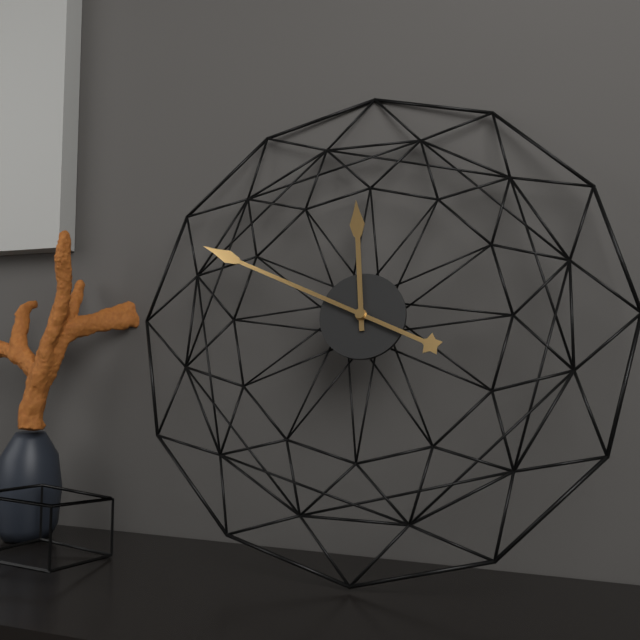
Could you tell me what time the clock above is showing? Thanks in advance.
11:49
